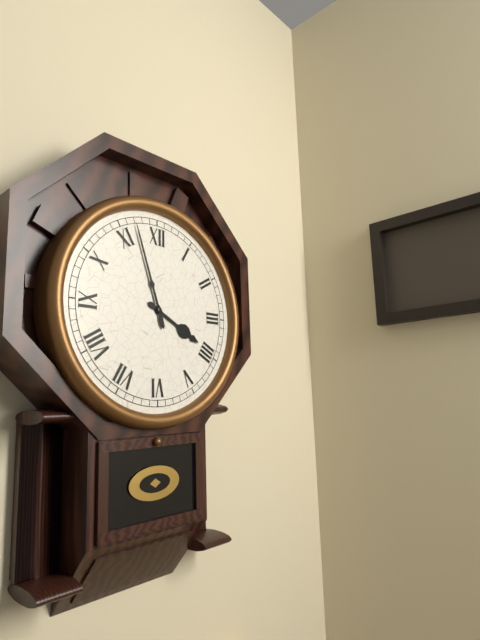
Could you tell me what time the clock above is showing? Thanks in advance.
3:57
